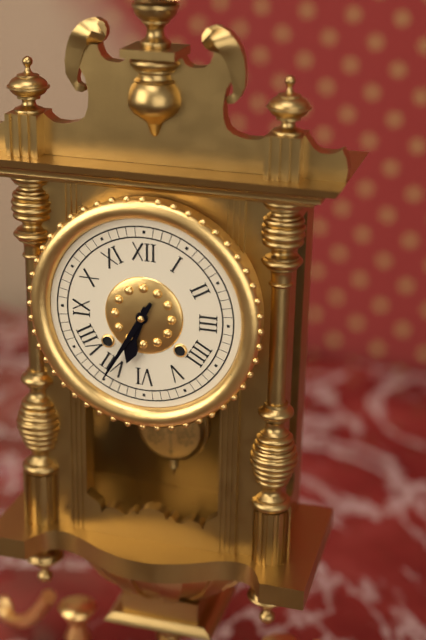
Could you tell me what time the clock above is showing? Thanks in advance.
6:35
